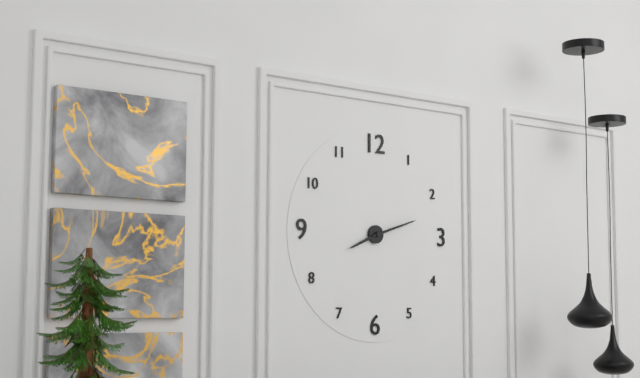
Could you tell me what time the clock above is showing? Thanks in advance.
8:12
